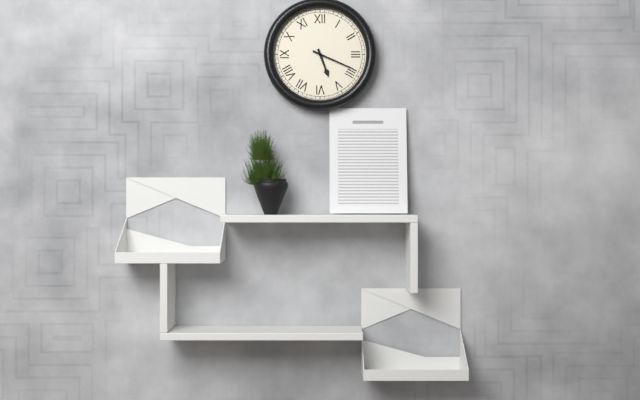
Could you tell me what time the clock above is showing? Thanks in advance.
5:19
